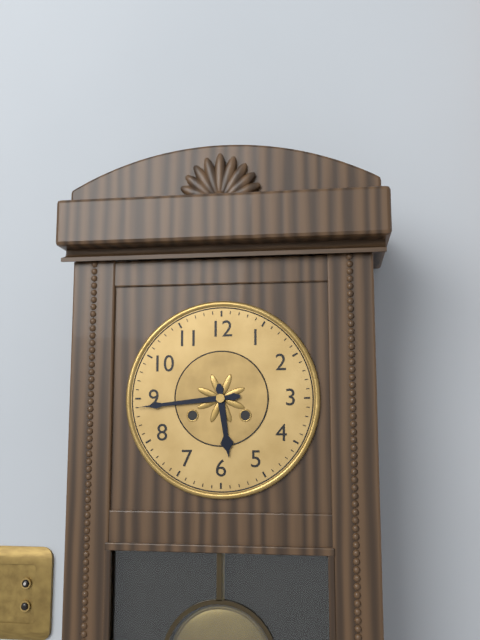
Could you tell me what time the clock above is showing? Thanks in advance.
5:44
